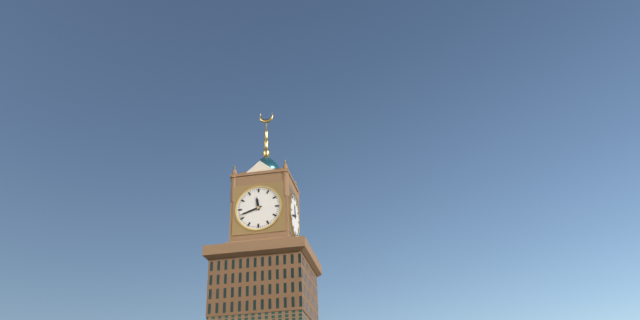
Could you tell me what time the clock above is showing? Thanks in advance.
11:42
